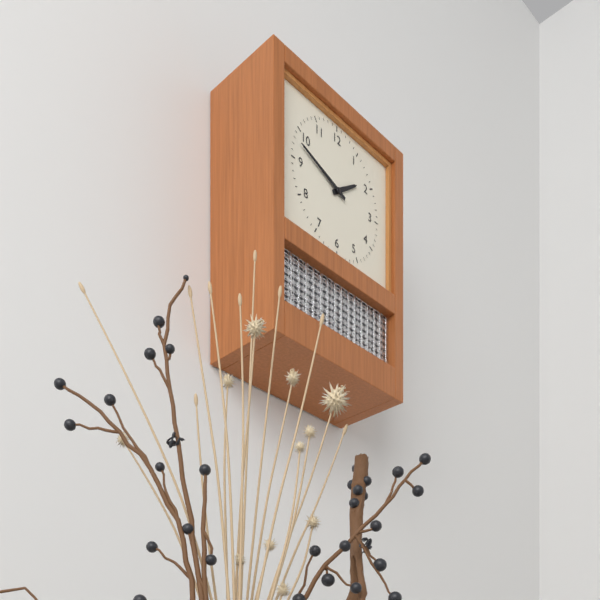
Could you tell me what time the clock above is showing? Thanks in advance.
1:48
